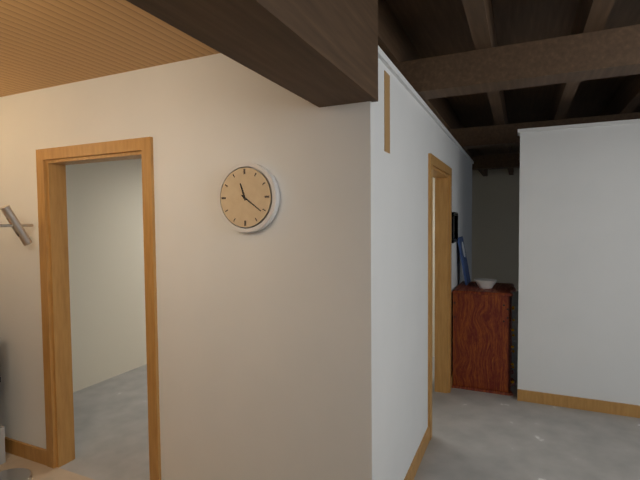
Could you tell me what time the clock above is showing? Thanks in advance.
11:21
